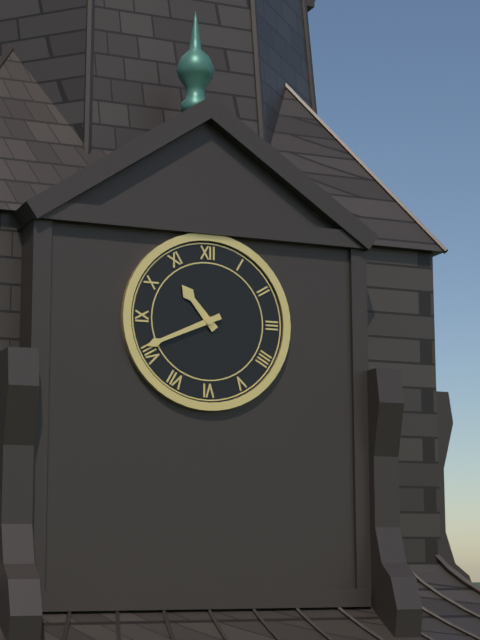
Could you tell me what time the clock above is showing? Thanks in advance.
10:41
